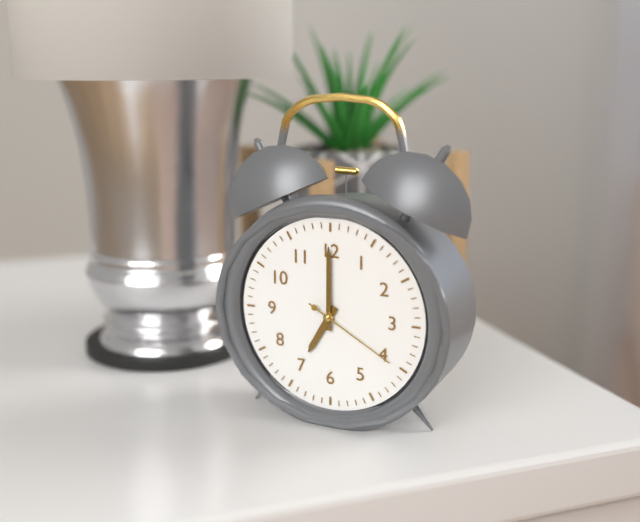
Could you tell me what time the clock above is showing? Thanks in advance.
7:00:20
